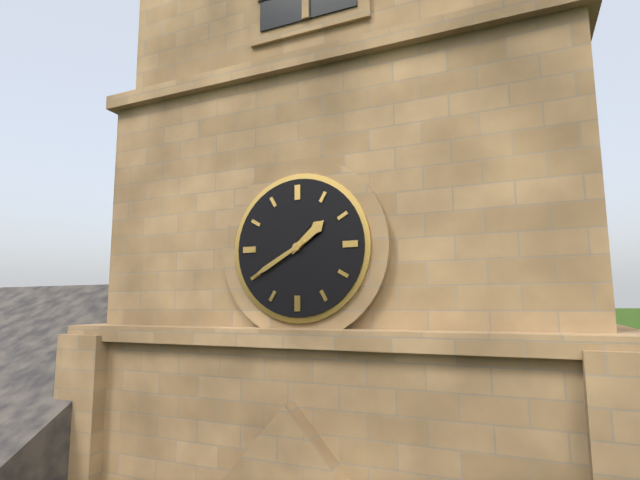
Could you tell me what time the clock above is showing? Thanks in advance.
1:40
